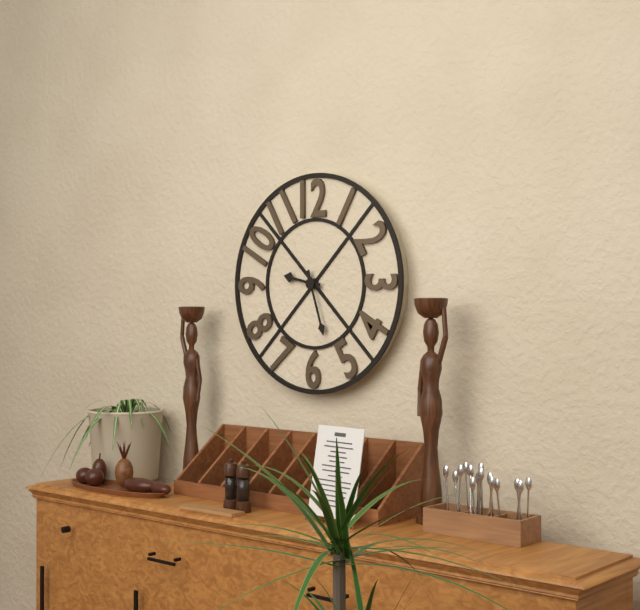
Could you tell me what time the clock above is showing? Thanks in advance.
9:27
